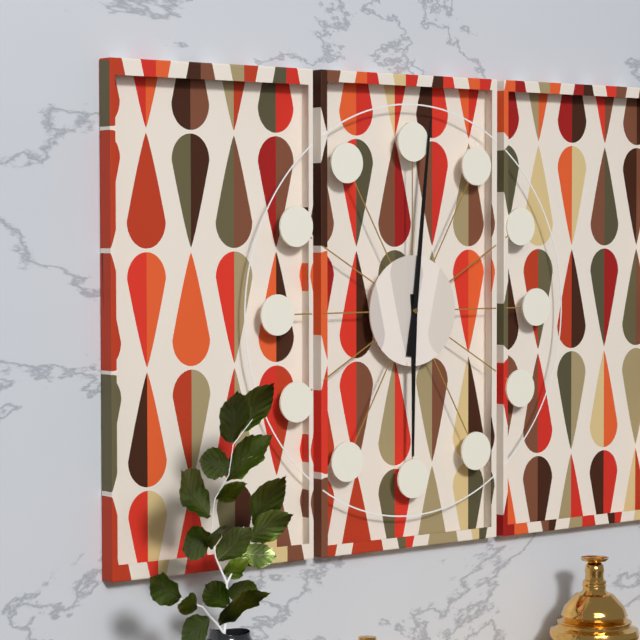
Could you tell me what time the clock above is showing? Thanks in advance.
6:01
